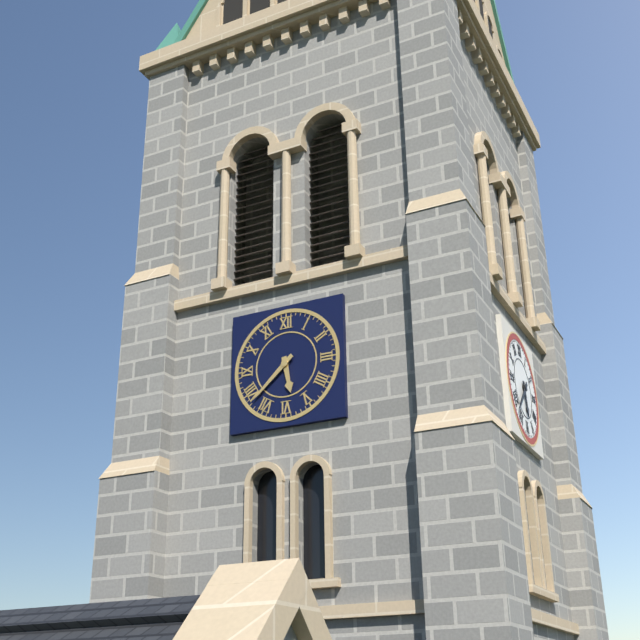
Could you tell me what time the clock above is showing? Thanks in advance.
5:38
